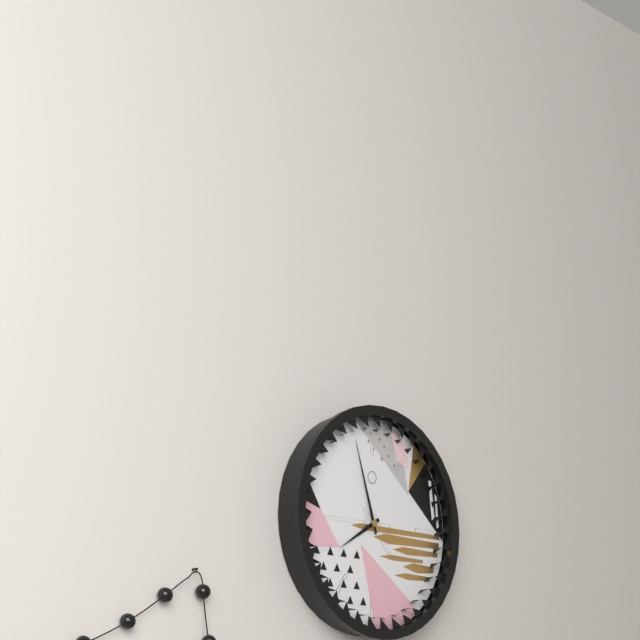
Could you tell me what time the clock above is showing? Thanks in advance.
7:57
